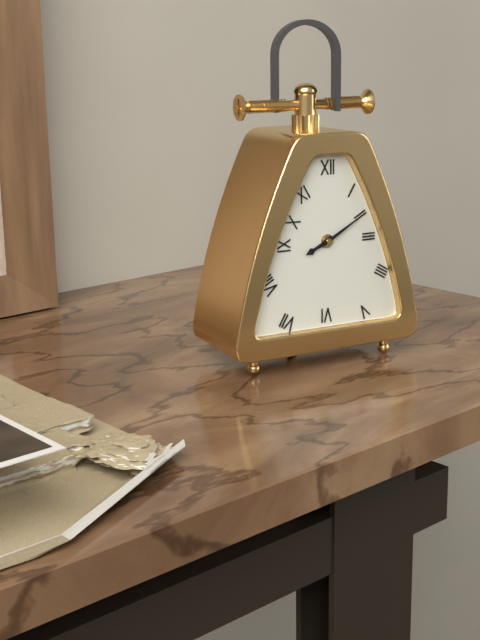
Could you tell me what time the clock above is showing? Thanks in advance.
8:10
